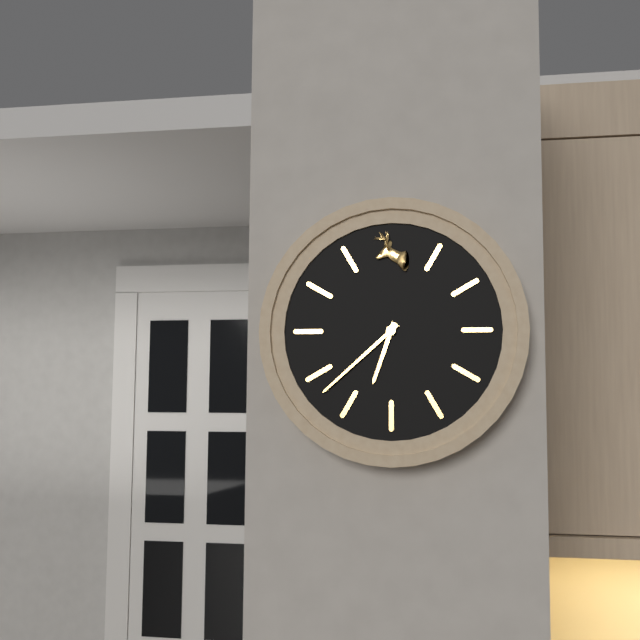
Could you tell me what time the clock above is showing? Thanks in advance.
6:38
